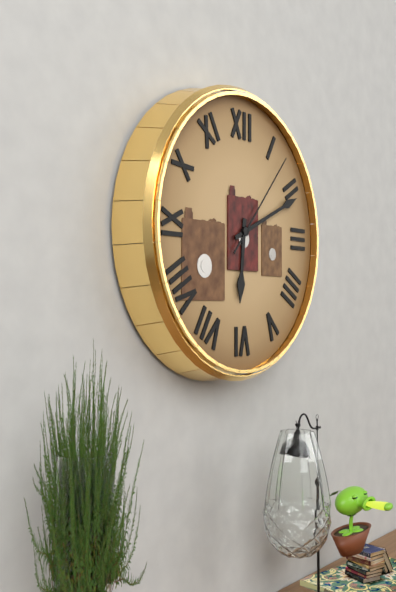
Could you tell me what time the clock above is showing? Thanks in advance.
6:11:07
